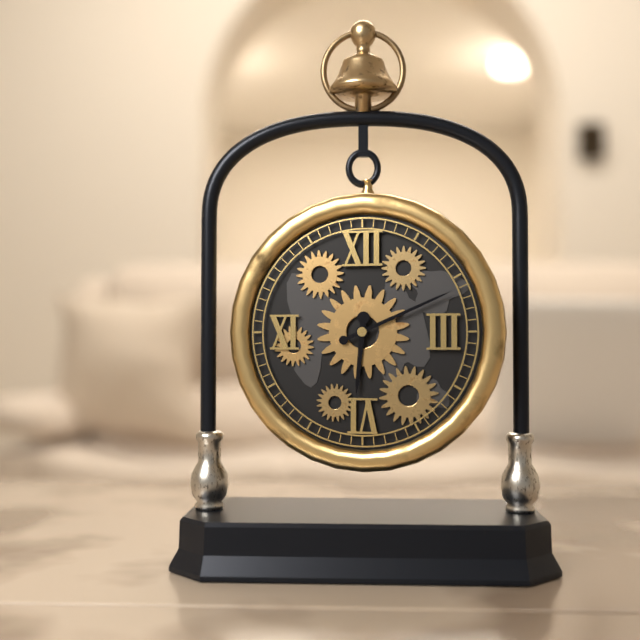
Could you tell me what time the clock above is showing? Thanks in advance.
6:11
